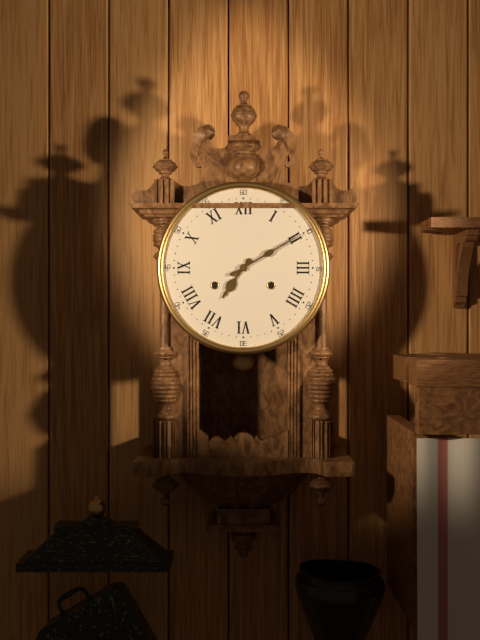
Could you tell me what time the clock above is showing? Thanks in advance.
7:10
